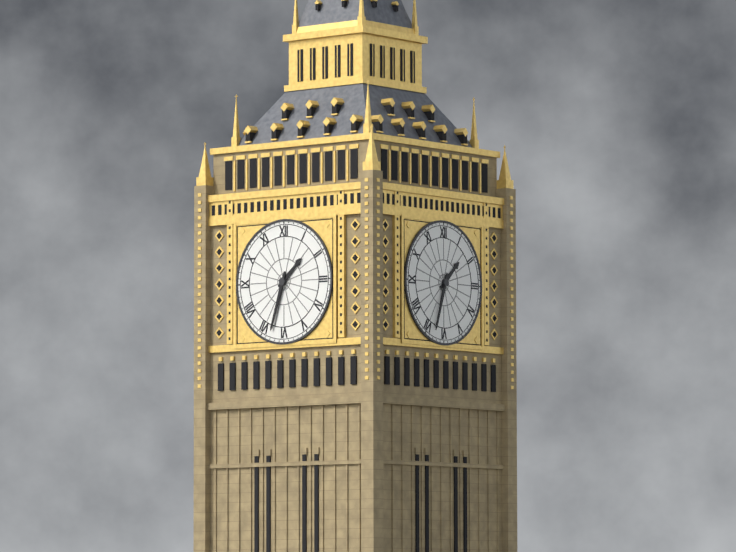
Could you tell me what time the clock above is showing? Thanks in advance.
1:33
